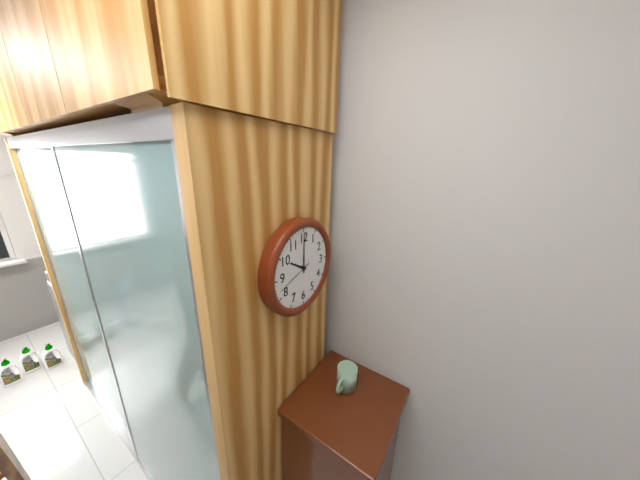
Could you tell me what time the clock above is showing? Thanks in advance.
10:00
